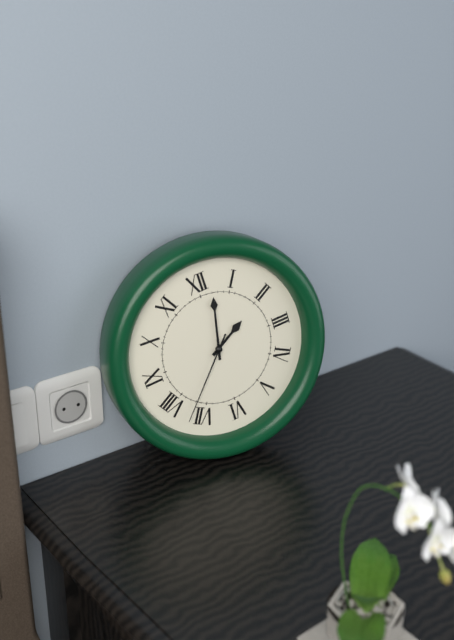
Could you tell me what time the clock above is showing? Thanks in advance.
2:02:37
